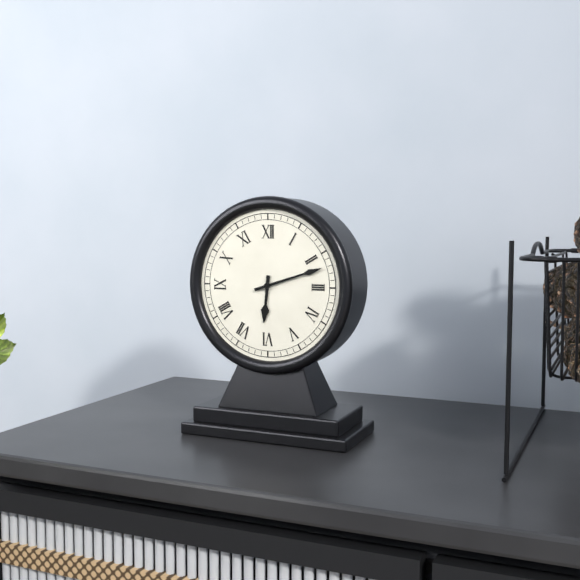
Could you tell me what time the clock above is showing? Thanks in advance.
6:12
